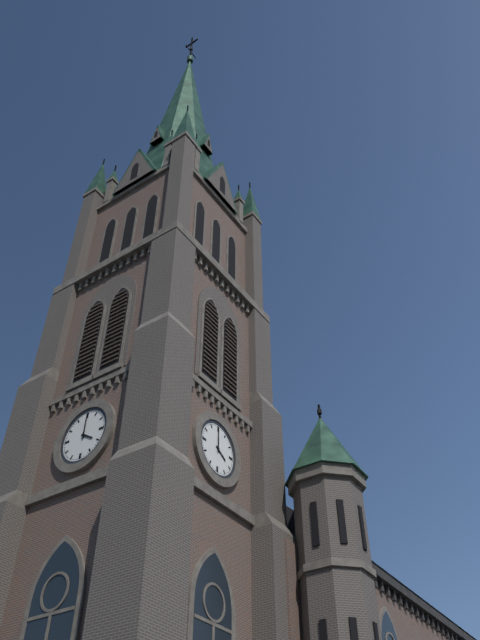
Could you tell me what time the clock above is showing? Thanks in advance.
4:00
